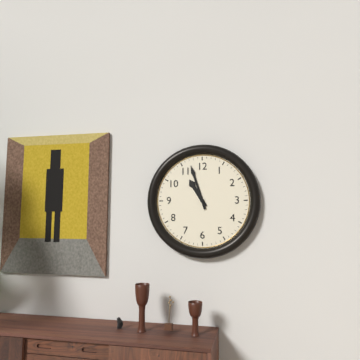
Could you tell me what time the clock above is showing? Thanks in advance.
10:57
